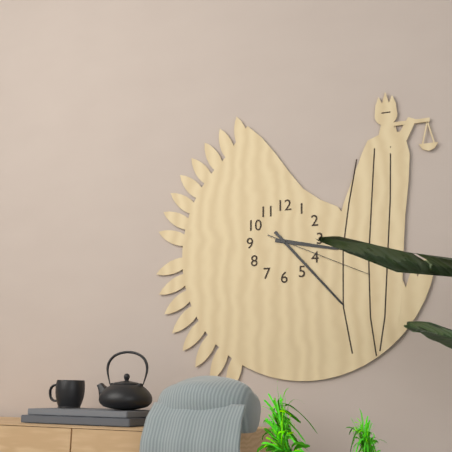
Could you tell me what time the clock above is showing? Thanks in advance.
3:23:19
